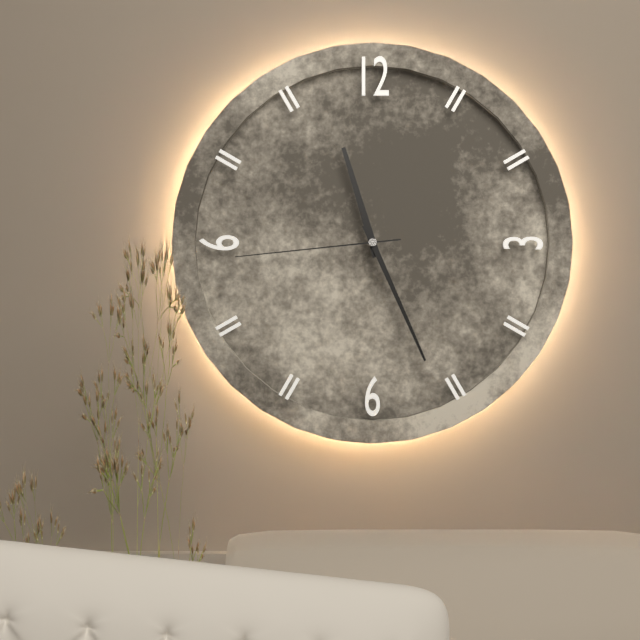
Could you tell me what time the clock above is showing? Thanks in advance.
11:26:44
